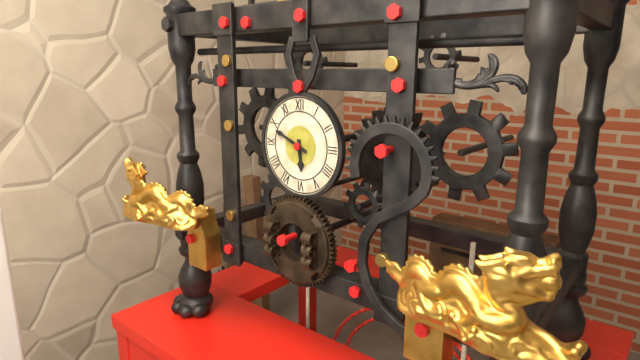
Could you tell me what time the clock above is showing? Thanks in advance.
5:49
